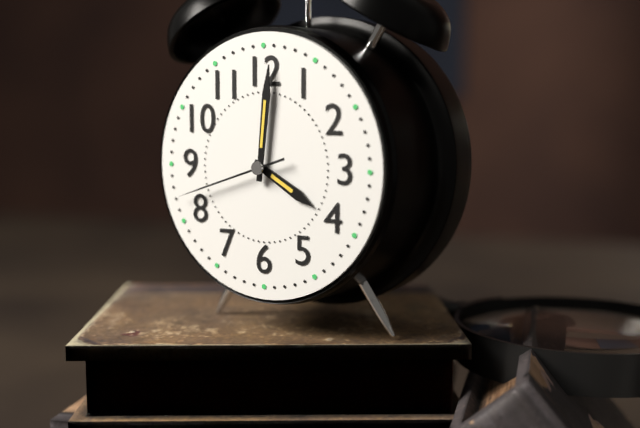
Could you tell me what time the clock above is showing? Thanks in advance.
4:01:42
